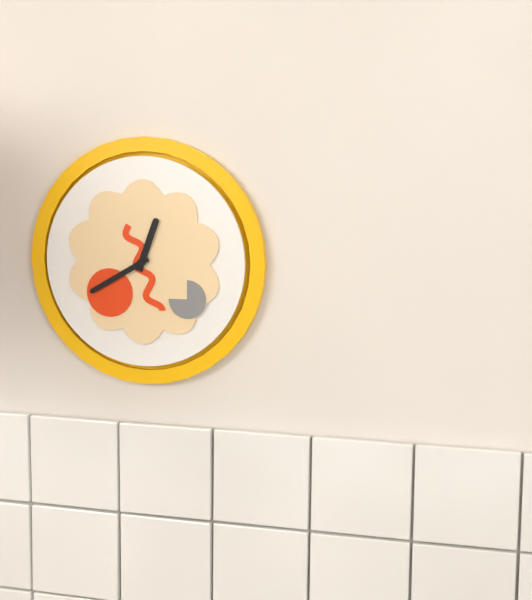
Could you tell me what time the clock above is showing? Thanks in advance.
12:40
